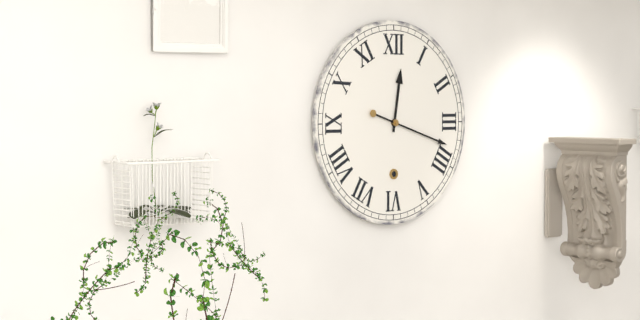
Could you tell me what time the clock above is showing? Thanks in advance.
12:18
